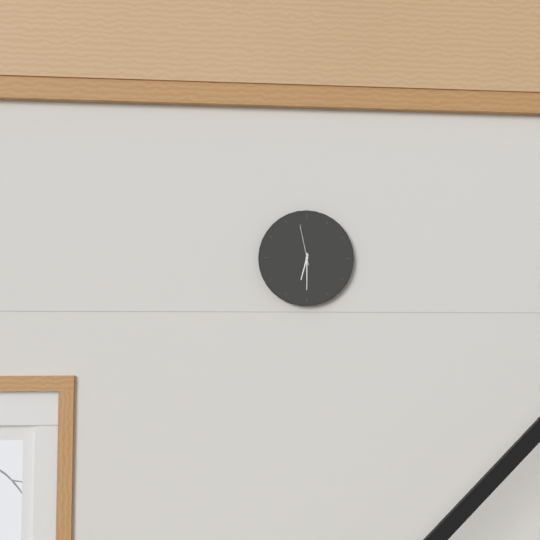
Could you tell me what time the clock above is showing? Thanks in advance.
6:30
